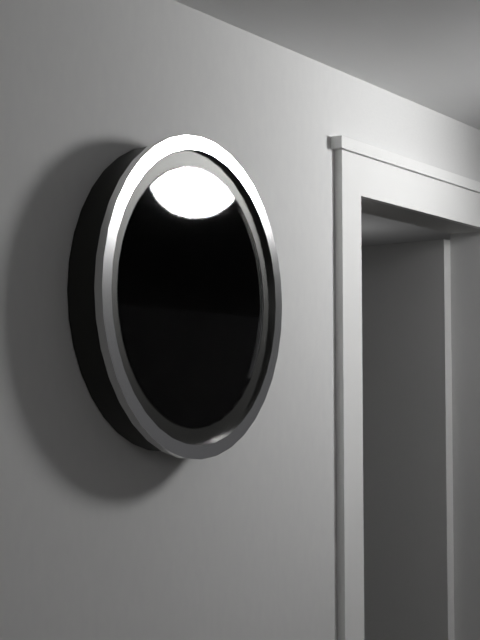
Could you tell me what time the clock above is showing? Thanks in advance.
8:07
